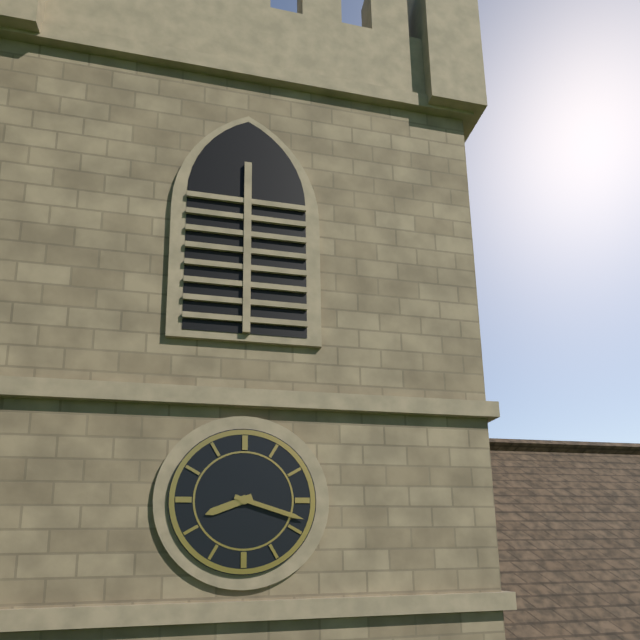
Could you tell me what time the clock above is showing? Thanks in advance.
8:18
